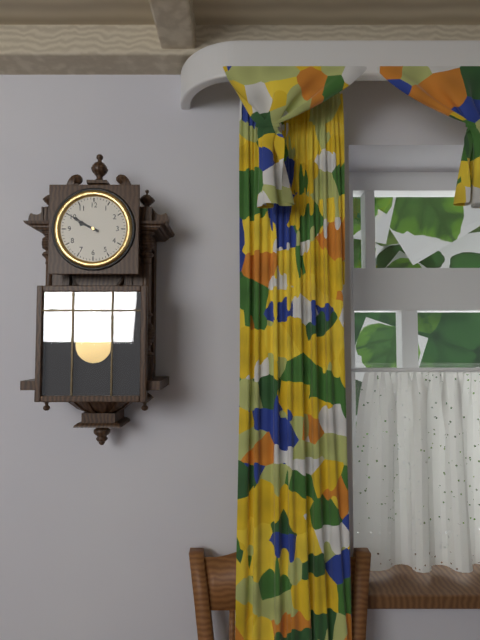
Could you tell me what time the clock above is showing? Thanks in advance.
9:50
